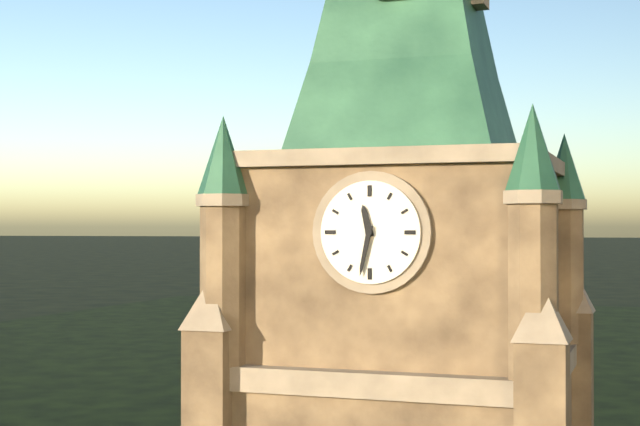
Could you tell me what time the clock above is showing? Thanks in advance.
11:32
